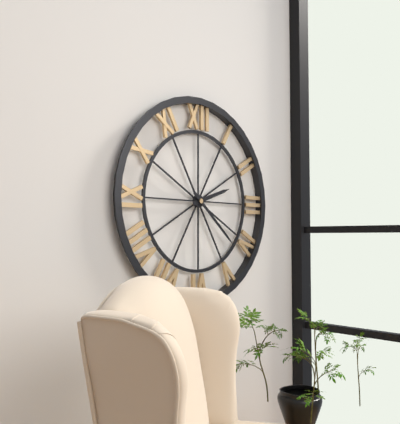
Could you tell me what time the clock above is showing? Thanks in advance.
2:22
